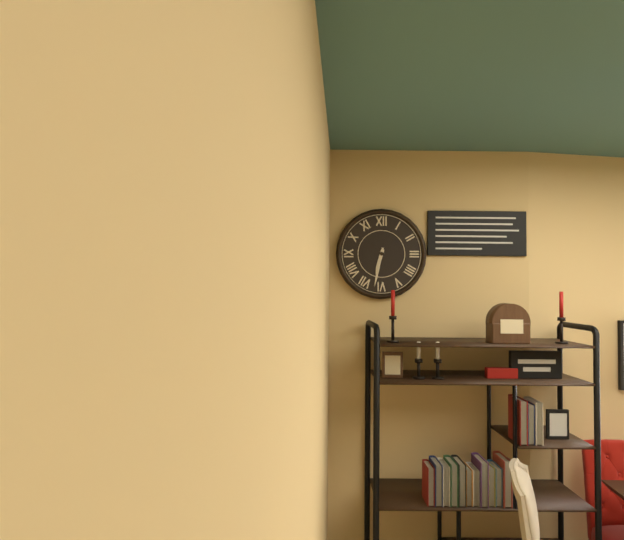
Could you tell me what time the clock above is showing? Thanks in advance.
6:32
